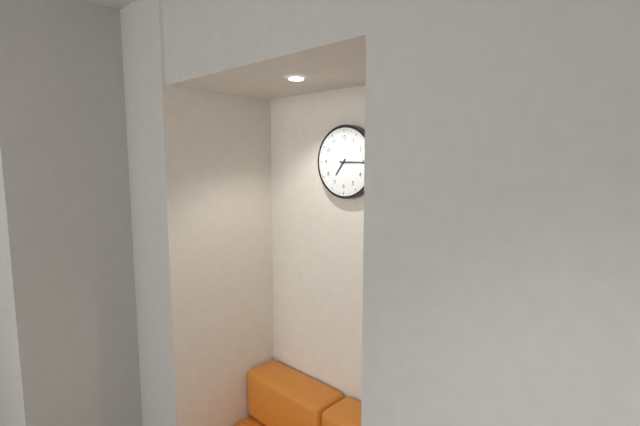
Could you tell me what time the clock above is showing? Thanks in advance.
7:15
